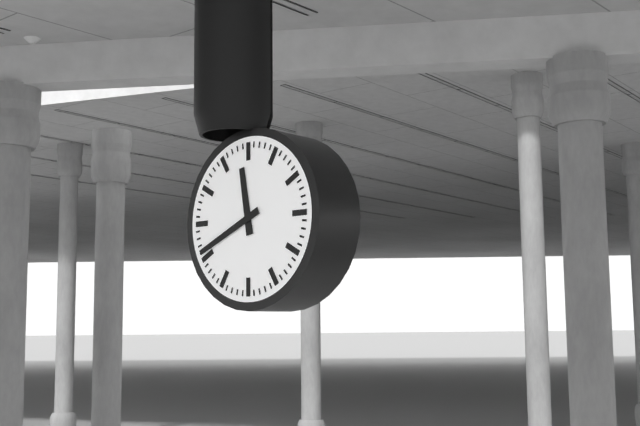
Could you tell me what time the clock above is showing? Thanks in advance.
11:41
